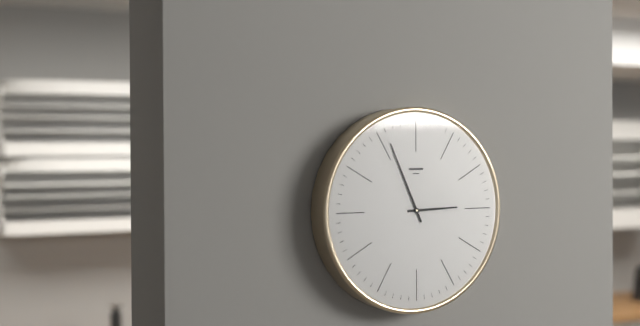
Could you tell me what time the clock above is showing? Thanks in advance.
2:56
